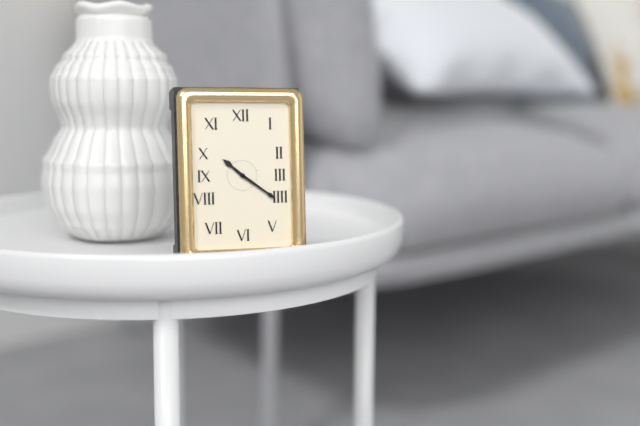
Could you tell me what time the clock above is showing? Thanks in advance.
10:21
